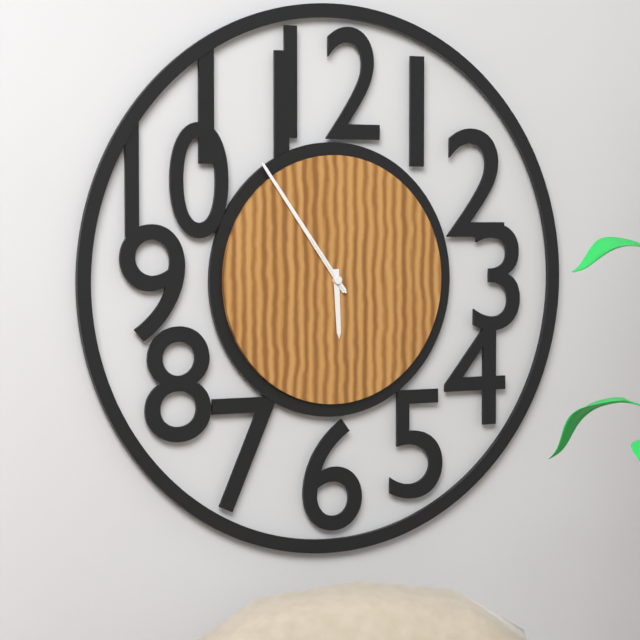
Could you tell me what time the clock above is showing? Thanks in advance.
5:54:54
